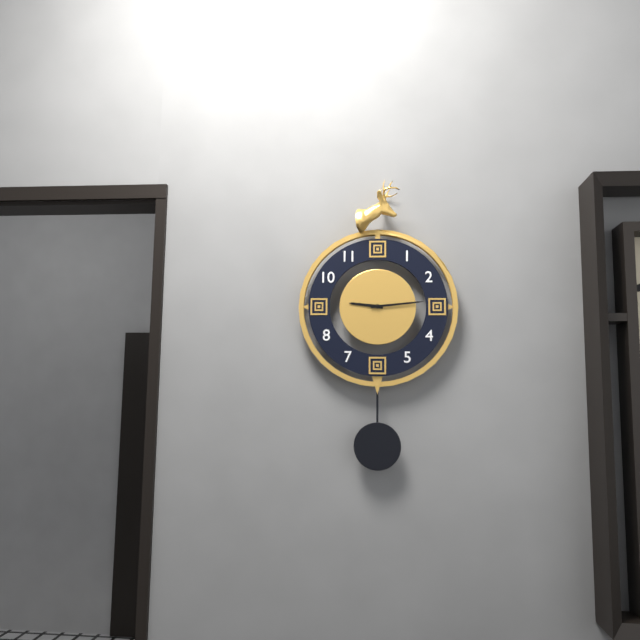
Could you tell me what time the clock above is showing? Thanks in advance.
9:14
